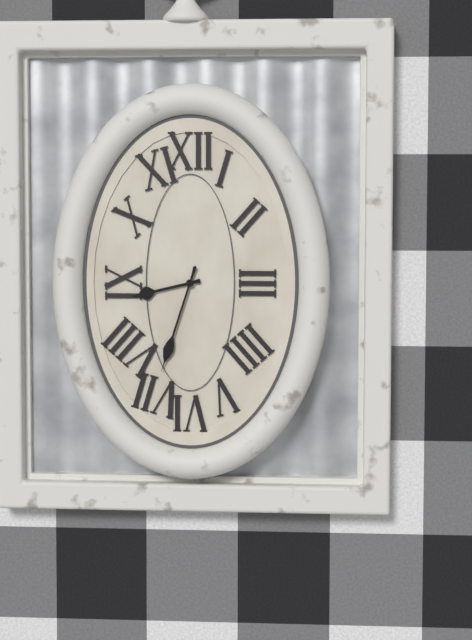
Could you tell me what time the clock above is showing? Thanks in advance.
8:33
